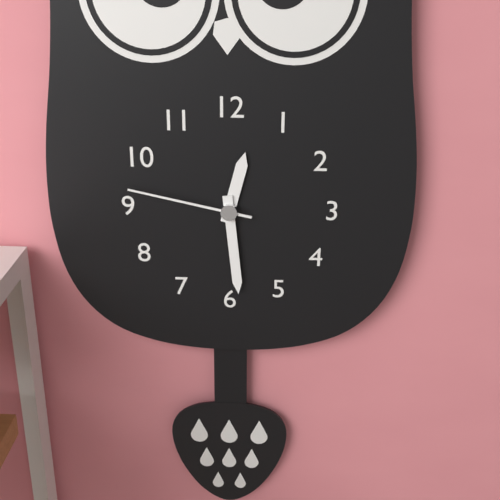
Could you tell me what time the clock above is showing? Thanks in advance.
12:29:47
